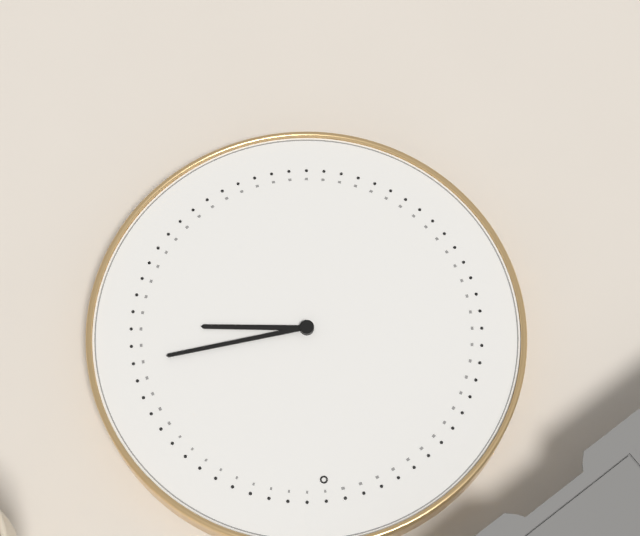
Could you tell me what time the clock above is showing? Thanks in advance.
3:14
